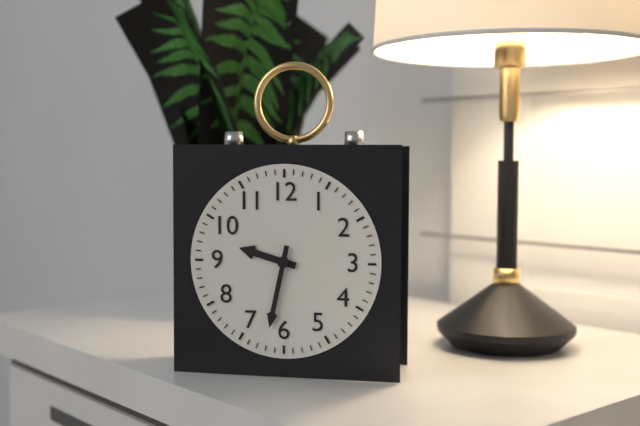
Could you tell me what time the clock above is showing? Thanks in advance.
9:32
